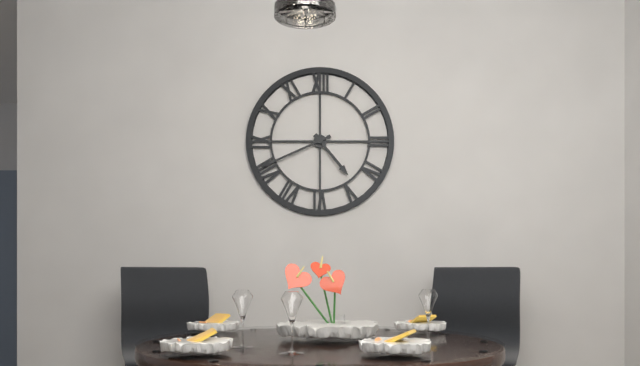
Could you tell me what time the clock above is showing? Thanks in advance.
4:41
